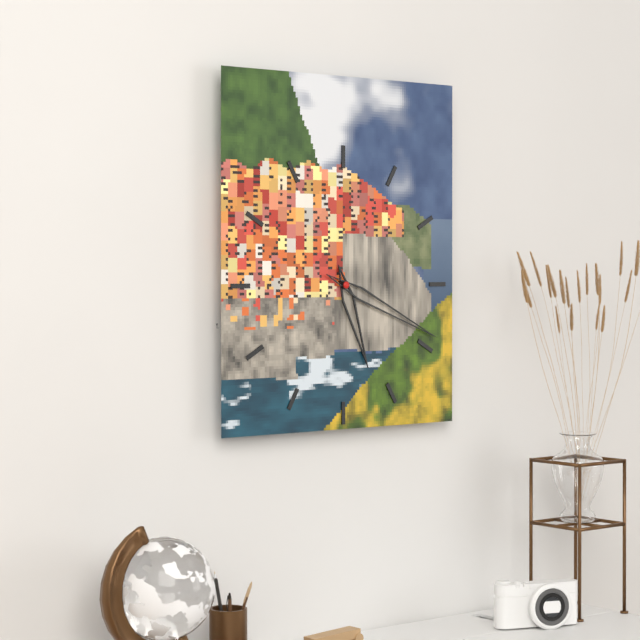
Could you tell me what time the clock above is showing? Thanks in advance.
5:19
